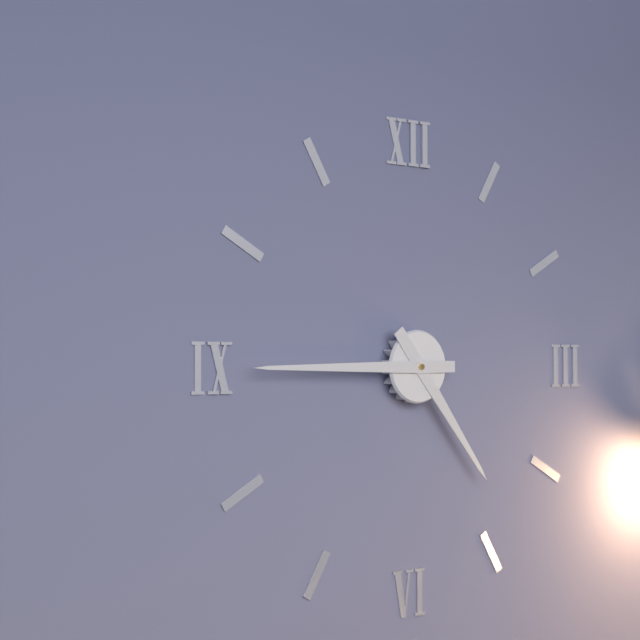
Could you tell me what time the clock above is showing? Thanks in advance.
4:45
